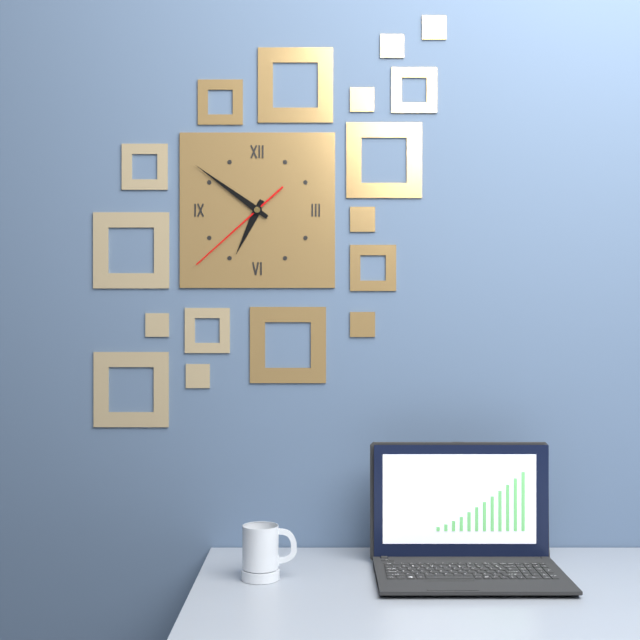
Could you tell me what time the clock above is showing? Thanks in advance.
6:51:38
